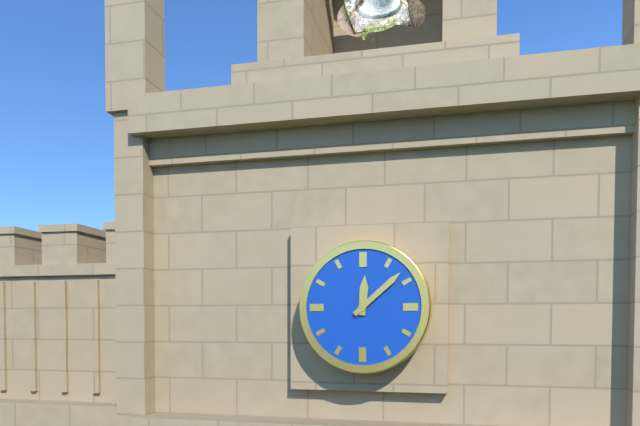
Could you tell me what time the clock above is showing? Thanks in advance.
12:08
